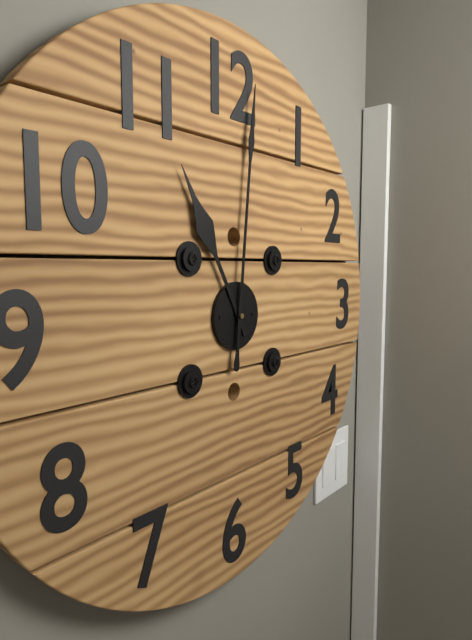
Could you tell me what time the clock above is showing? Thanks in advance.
11:01
